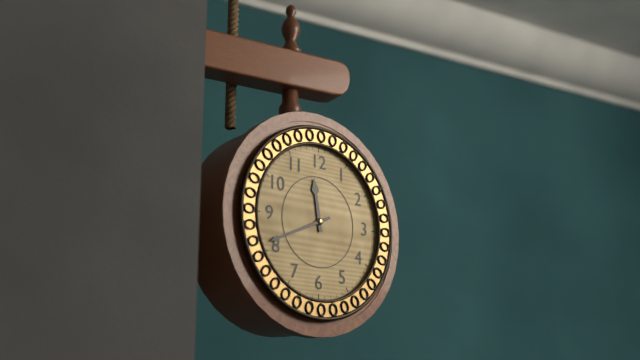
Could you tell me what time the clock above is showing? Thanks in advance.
11:41
